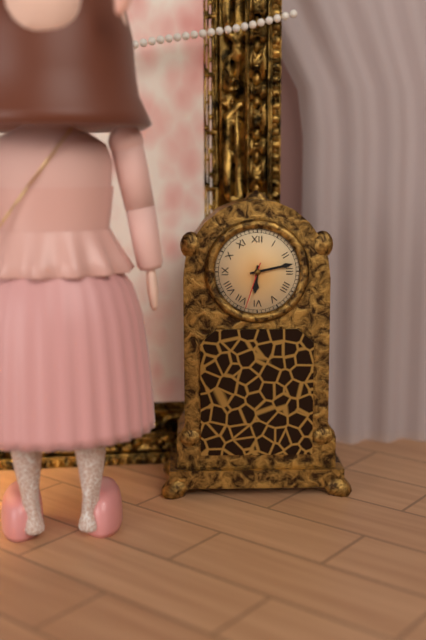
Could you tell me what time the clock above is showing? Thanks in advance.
6:13
